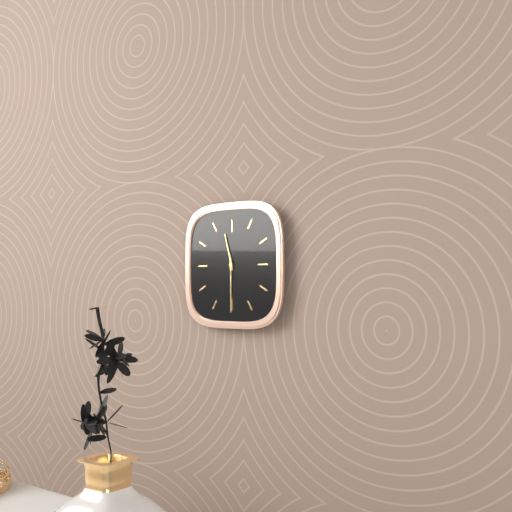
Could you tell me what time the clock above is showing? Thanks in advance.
11:30
